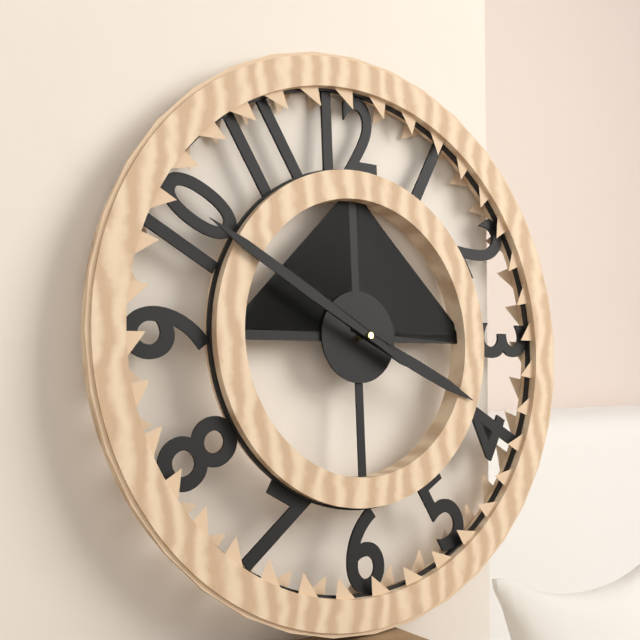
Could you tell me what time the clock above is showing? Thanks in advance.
3:50
